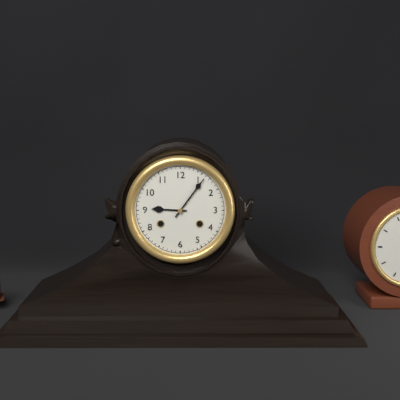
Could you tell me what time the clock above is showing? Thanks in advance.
9:06
